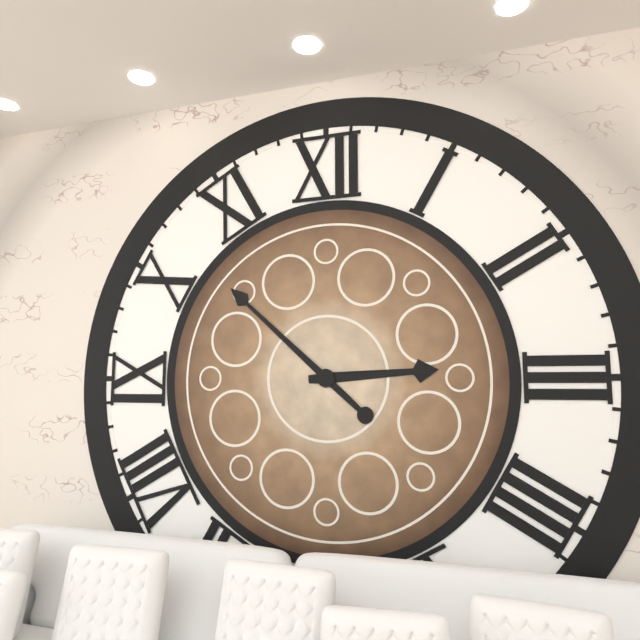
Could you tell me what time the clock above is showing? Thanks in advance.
2:52
